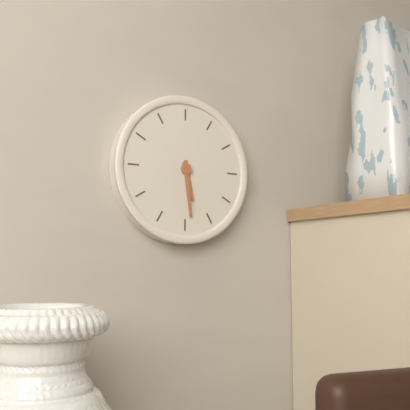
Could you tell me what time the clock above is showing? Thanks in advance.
5:29
